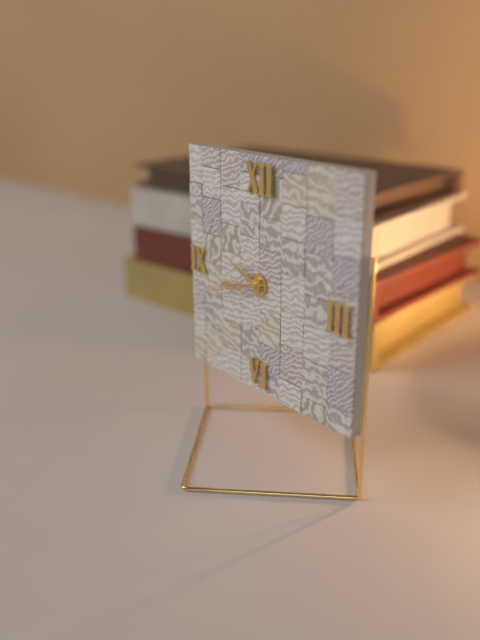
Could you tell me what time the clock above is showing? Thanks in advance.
9:43:42
